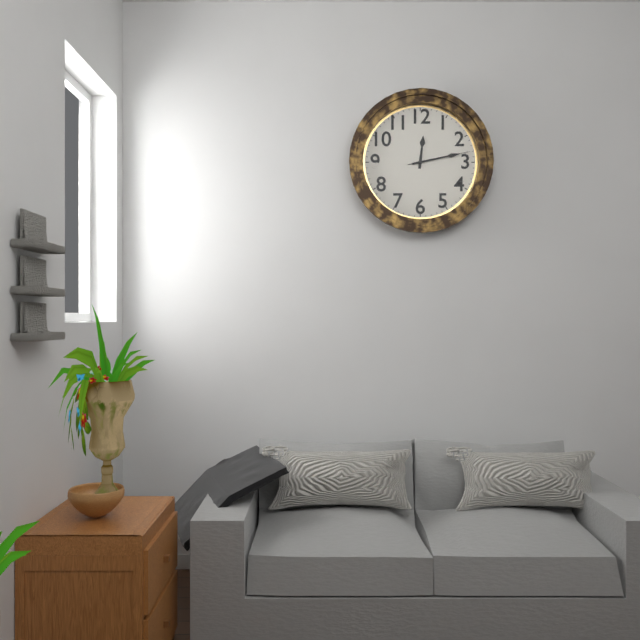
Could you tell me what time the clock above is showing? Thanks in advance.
12:13:13
